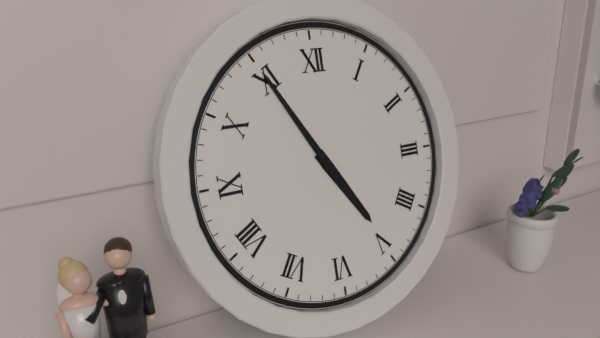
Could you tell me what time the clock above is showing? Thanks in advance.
4:55
